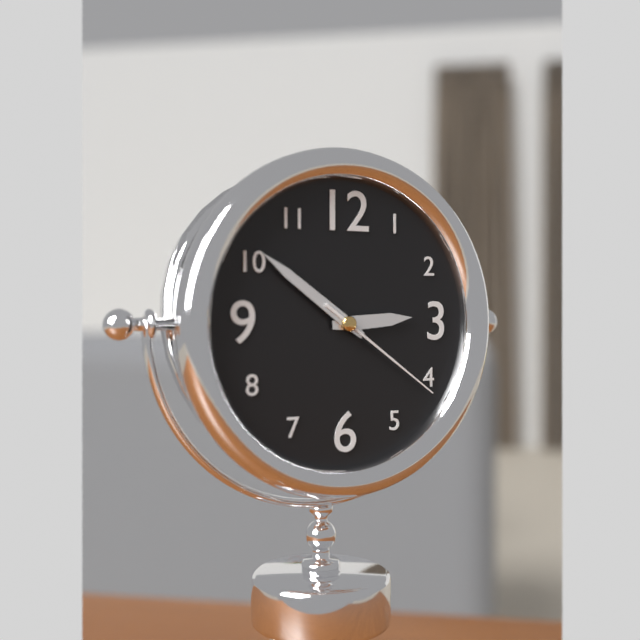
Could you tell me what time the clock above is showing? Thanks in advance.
2:51:21
